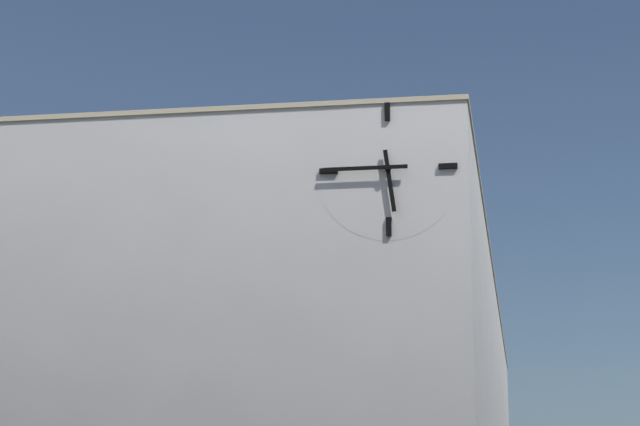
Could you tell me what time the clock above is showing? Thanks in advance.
5:45
